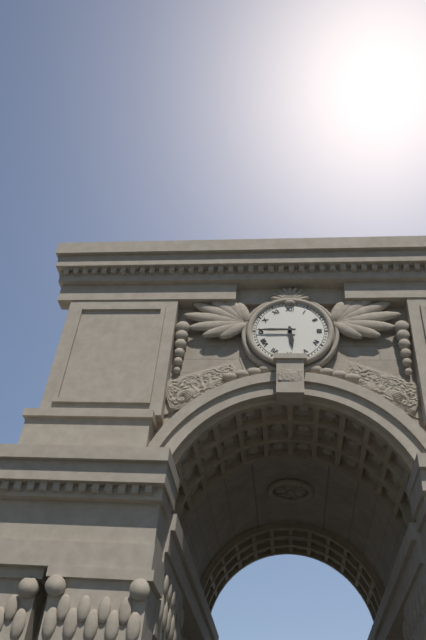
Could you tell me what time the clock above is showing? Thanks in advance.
5:45
